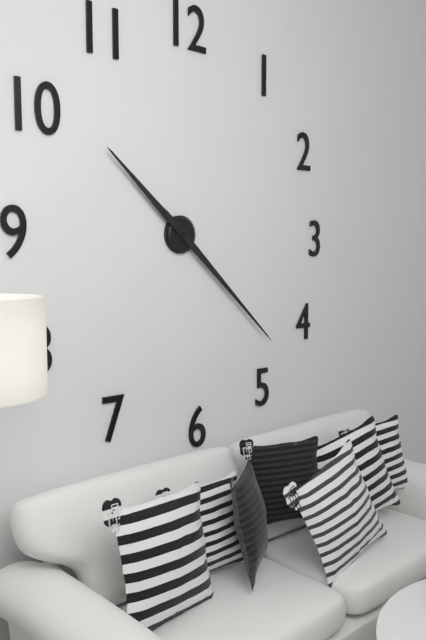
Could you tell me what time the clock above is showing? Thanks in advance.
10:22
